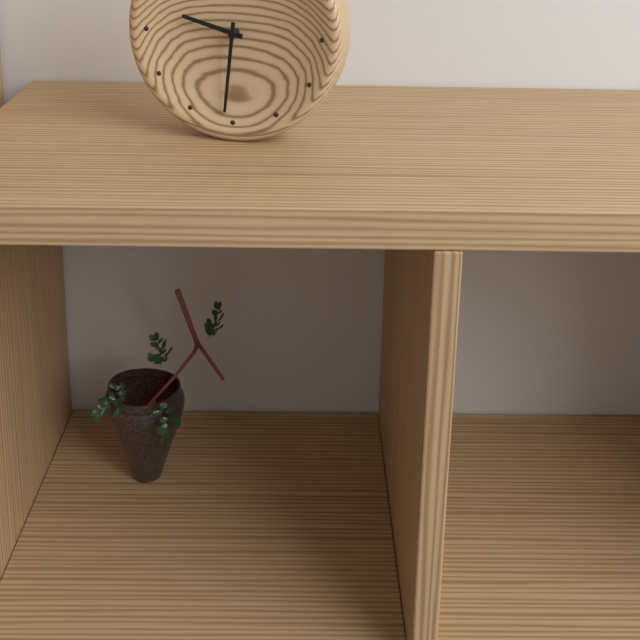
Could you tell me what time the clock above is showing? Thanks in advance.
9:31
